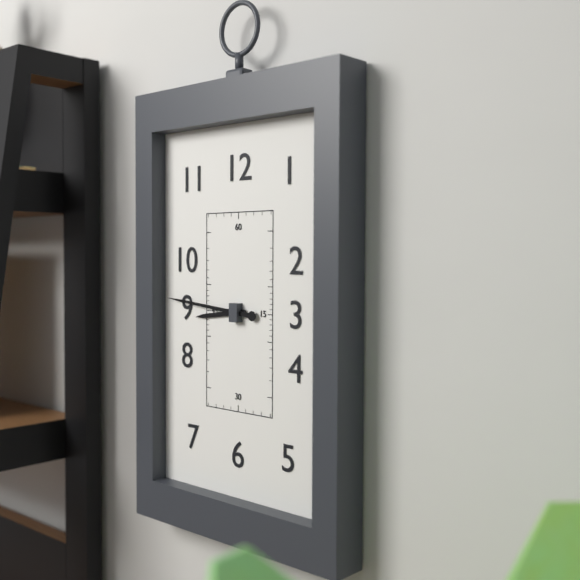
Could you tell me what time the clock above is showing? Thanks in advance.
8:46
